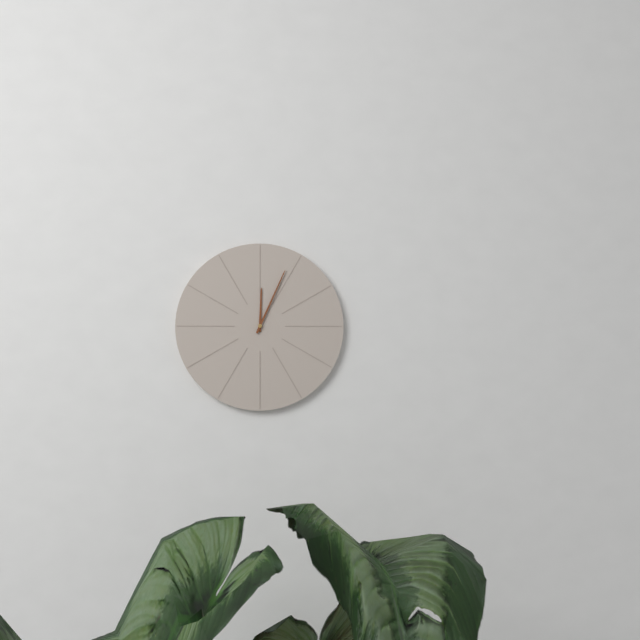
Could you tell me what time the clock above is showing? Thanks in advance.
12:04
